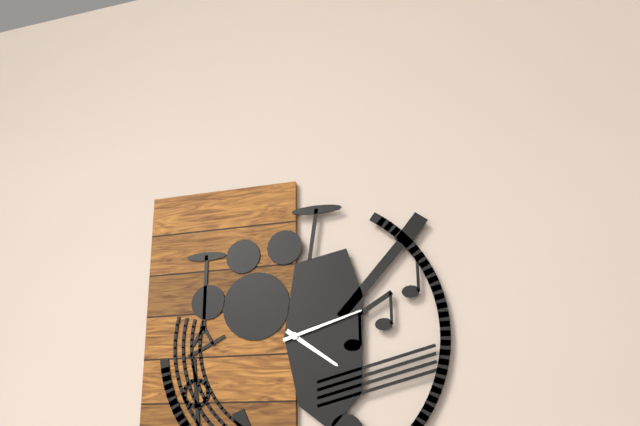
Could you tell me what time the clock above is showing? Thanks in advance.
4:12
